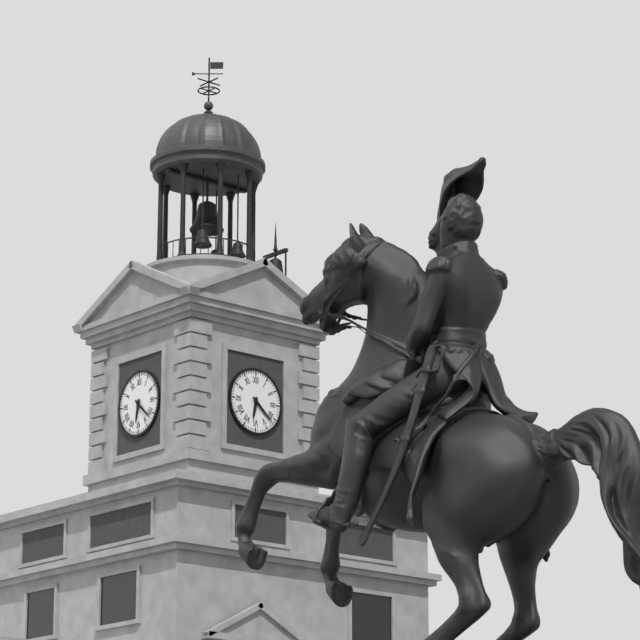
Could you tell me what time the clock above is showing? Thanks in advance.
6:22
